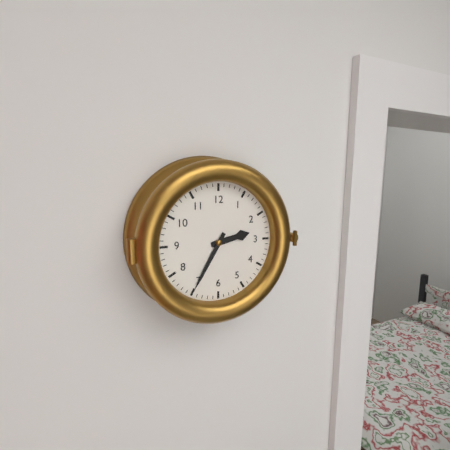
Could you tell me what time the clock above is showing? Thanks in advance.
2:35
